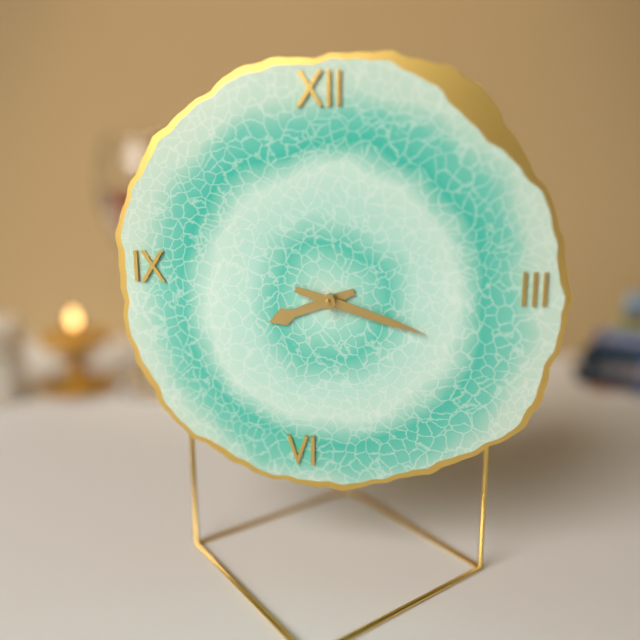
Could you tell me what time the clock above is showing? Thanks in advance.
8:18
